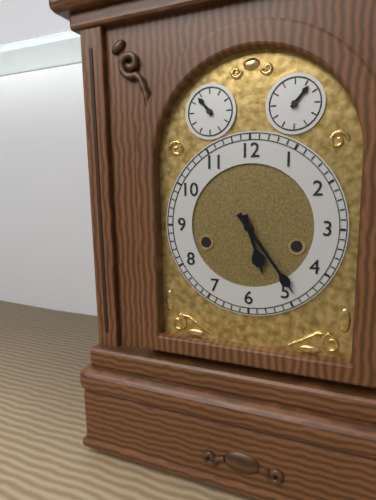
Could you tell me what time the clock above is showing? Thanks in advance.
5:24
